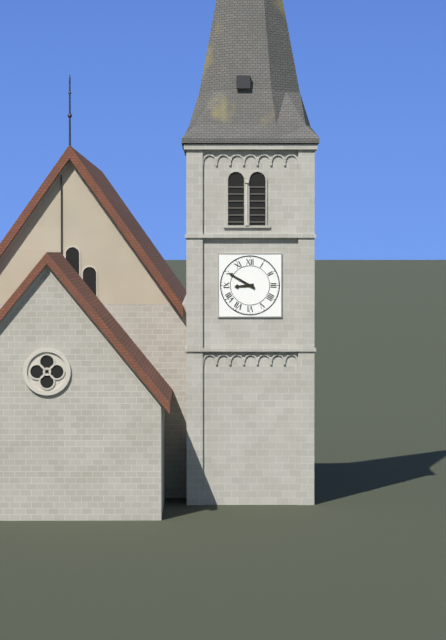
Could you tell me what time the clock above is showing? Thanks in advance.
8:50
